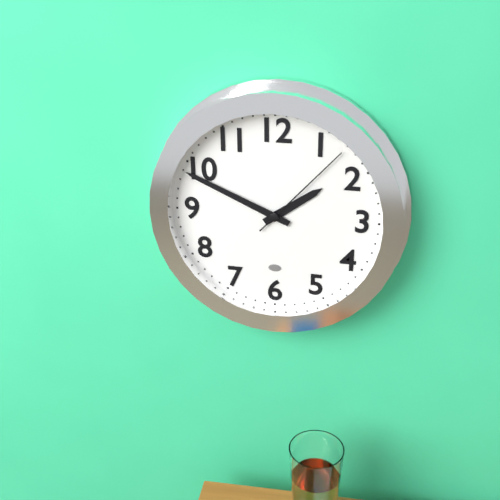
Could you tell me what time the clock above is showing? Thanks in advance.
1:49:07
